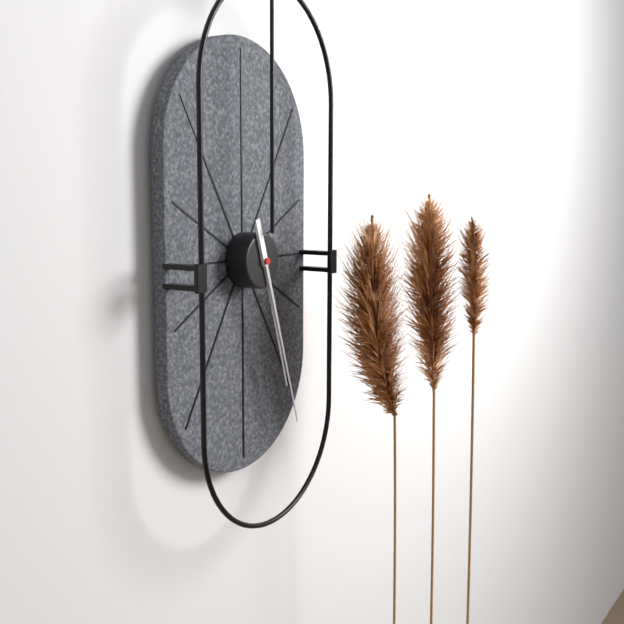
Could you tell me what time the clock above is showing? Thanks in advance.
5:27
